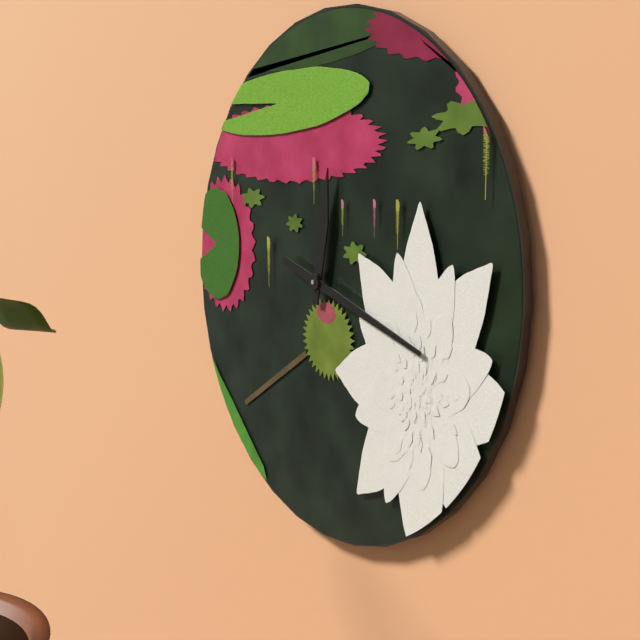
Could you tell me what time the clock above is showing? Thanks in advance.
12:18
